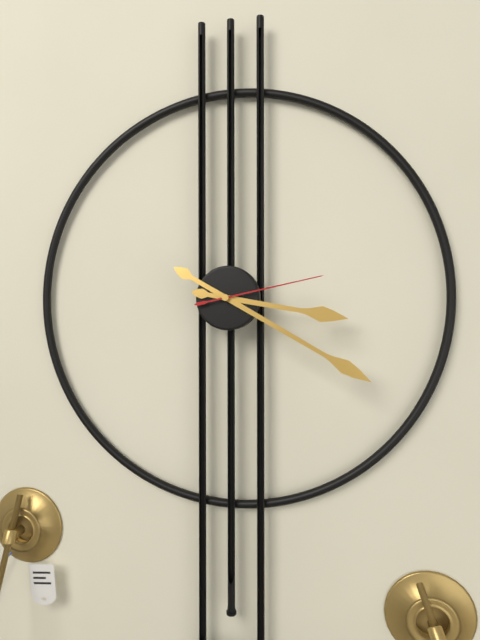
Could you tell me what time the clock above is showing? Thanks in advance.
3:20:13
